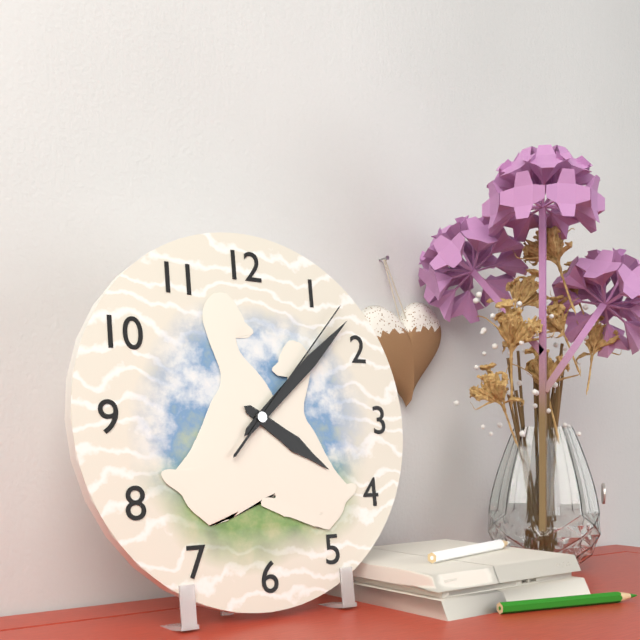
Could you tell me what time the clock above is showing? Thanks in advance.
4:08:07
